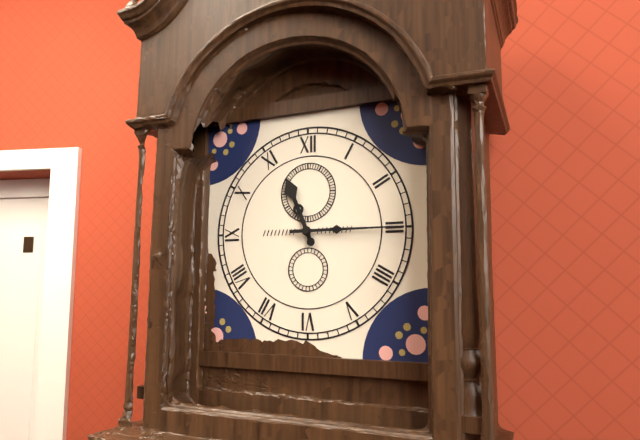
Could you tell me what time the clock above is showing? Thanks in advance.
11:15
